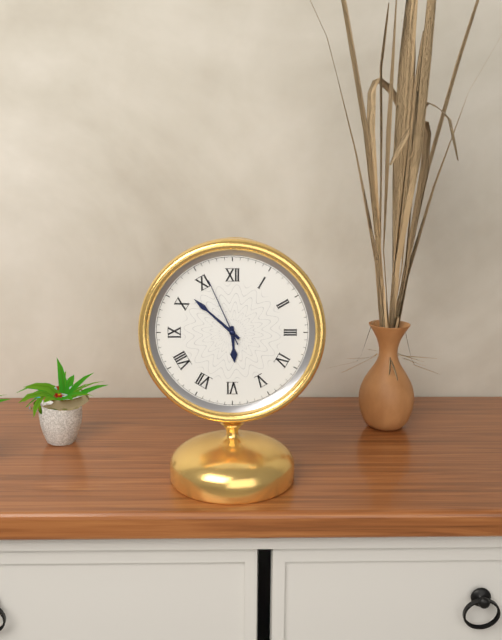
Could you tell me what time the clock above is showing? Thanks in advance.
5:52:56
